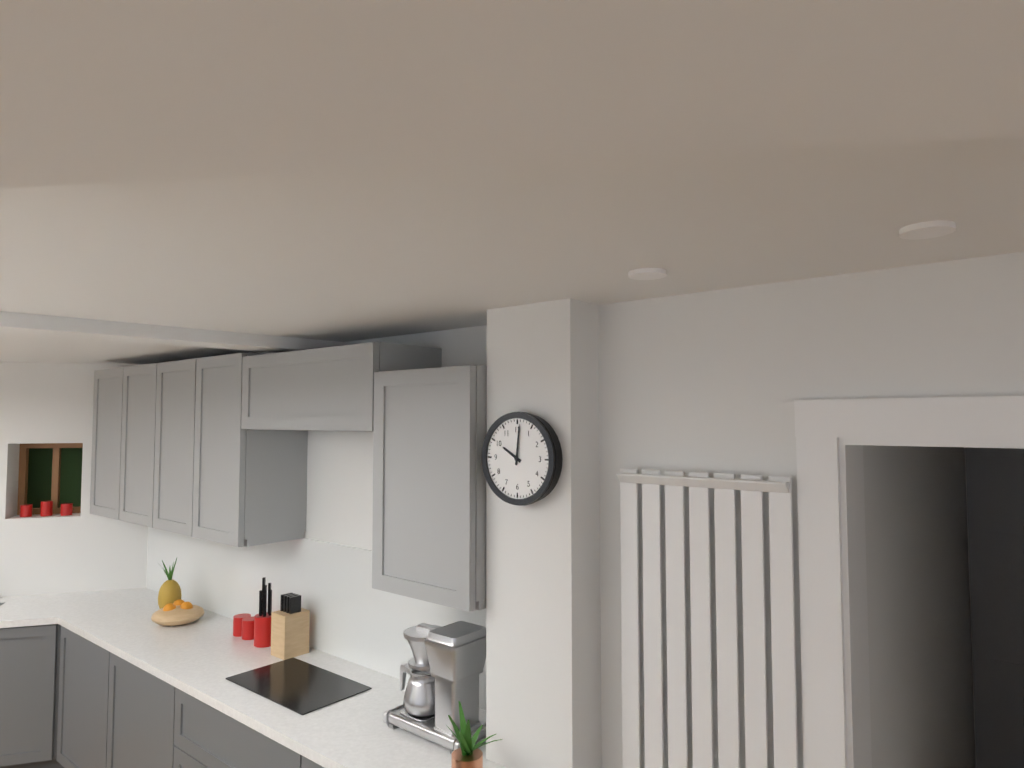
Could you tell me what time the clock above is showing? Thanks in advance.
10:01
